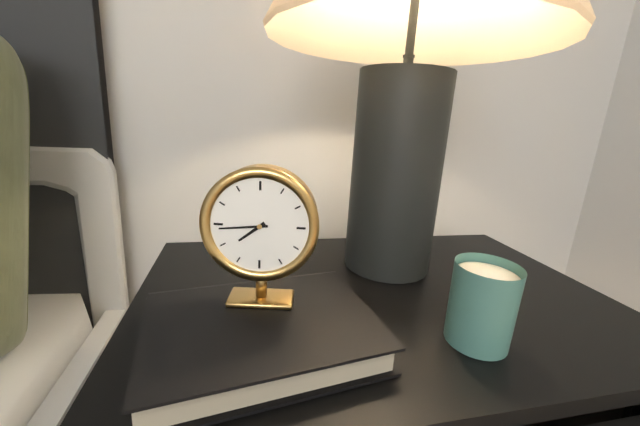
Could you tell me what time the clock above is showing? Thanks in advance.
7:44
